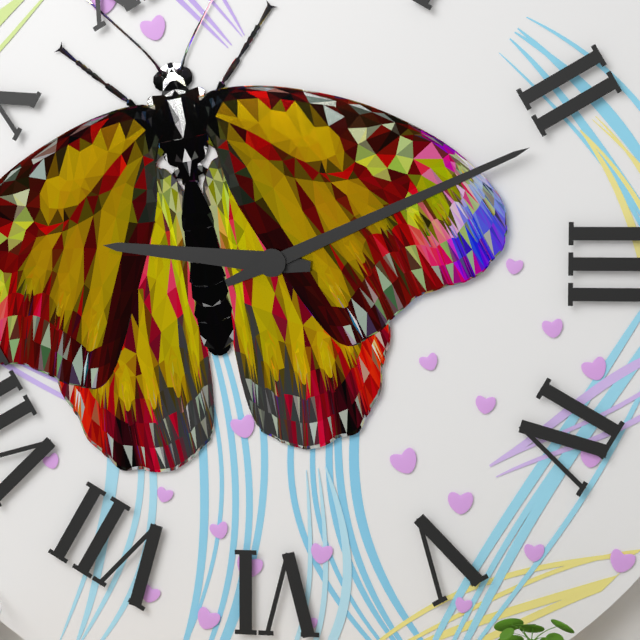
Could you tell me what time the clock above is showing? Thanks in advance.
9:11
